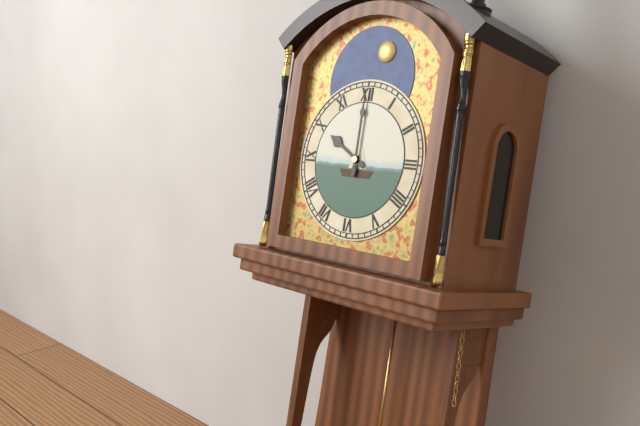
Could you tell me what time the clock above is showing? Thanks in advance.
10:00
